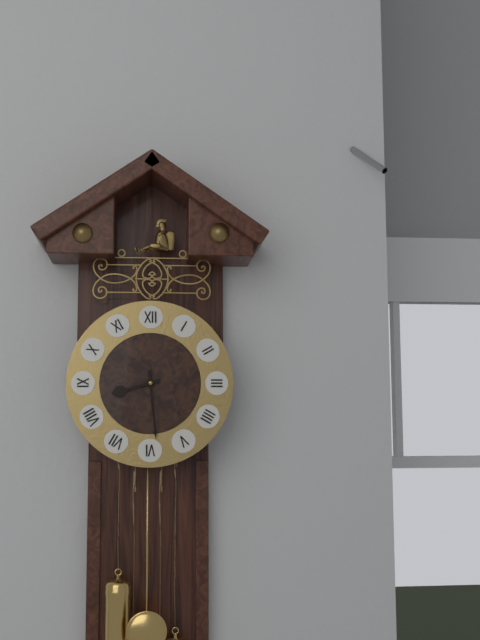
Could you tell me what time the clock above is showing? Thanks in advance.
8:29
